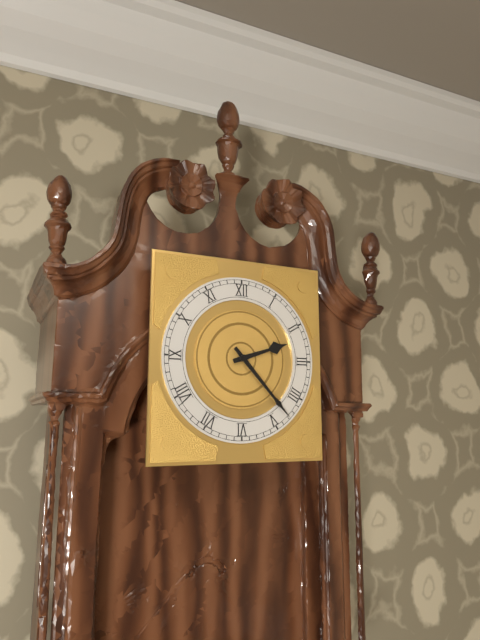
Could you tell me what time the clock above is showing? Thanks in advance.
2:23
